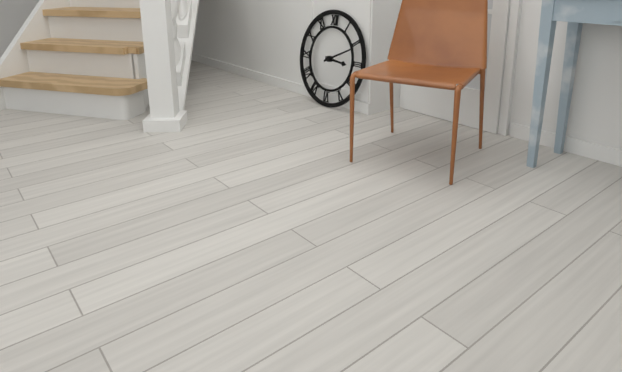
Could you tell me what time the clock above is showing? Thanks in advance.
3:11
